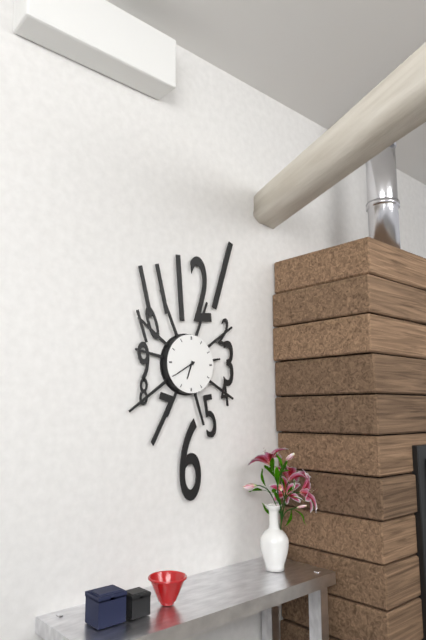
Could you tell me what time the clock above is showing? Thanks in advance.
6:40
